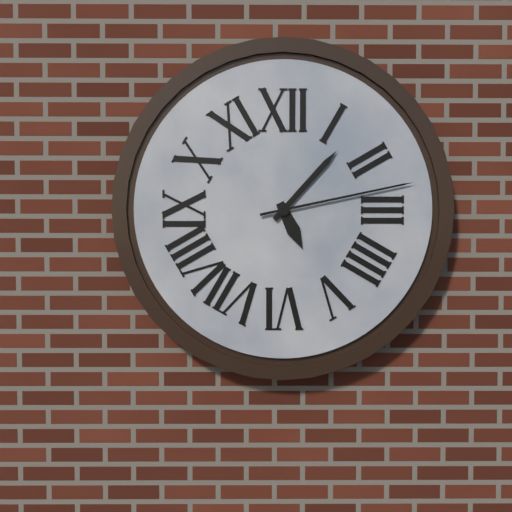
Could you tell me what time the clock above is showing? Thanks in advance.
5:07:13
